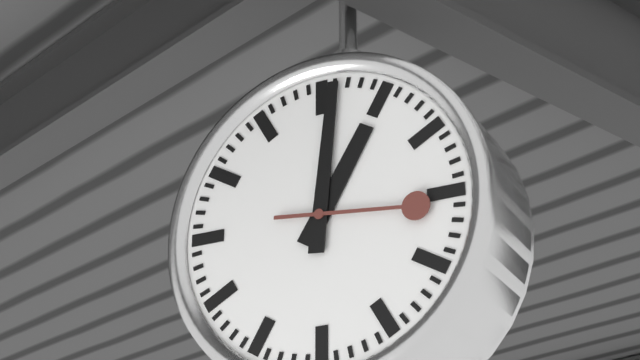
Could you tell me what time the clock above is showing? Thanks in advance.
1:01:16
